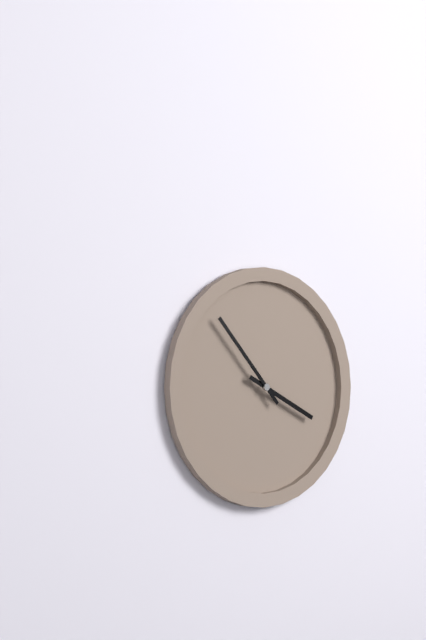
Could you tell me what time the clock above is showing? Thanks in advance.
3:53
